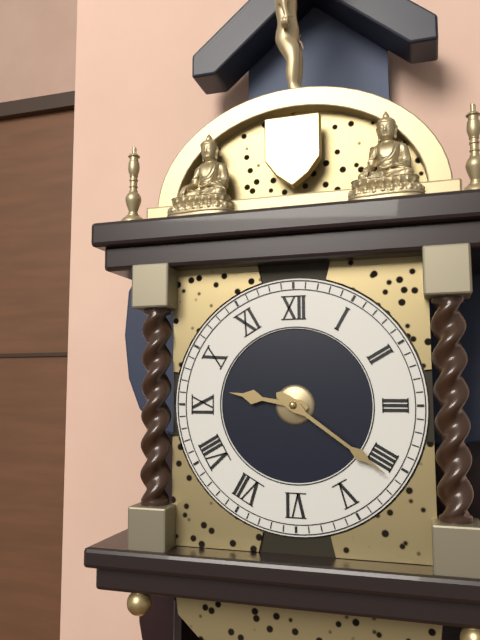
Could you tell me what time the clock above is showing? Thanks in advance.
9:21
